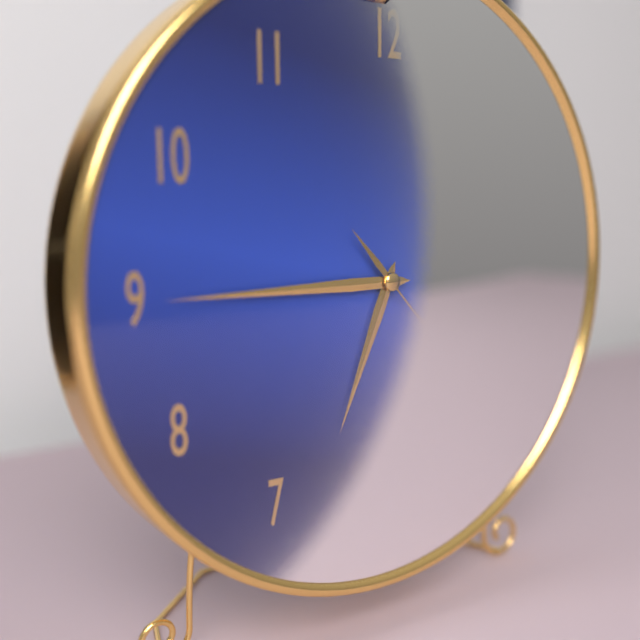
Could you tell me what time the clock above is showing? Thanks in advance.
6:45:23
